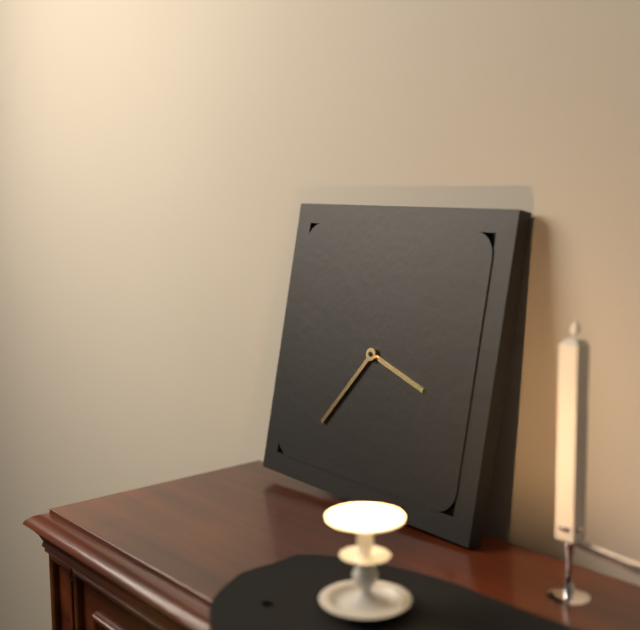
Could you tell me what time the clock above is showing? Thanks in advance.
3:36
